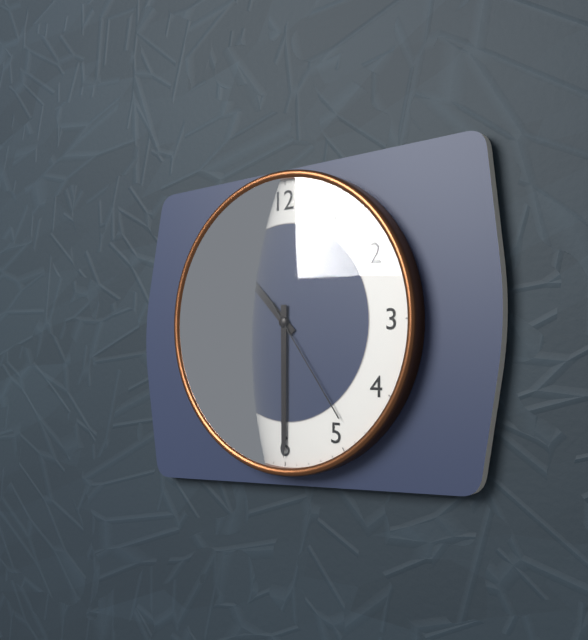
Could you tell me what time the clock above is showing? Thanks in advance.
10:30:24
